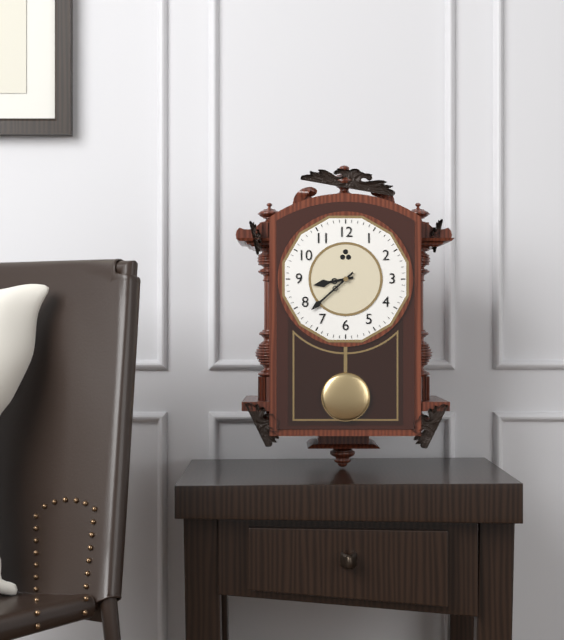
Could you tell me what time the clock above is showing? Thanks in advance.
8:38
